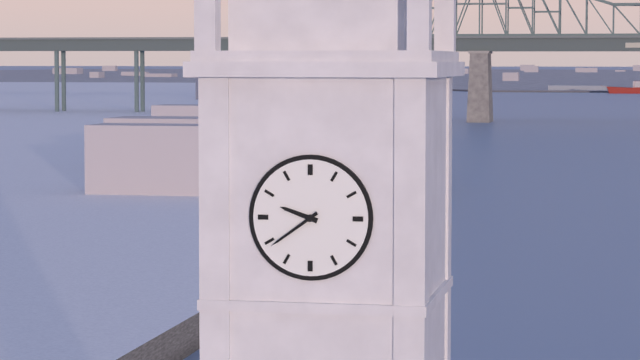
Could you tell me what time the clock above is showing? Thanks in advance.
9:39
